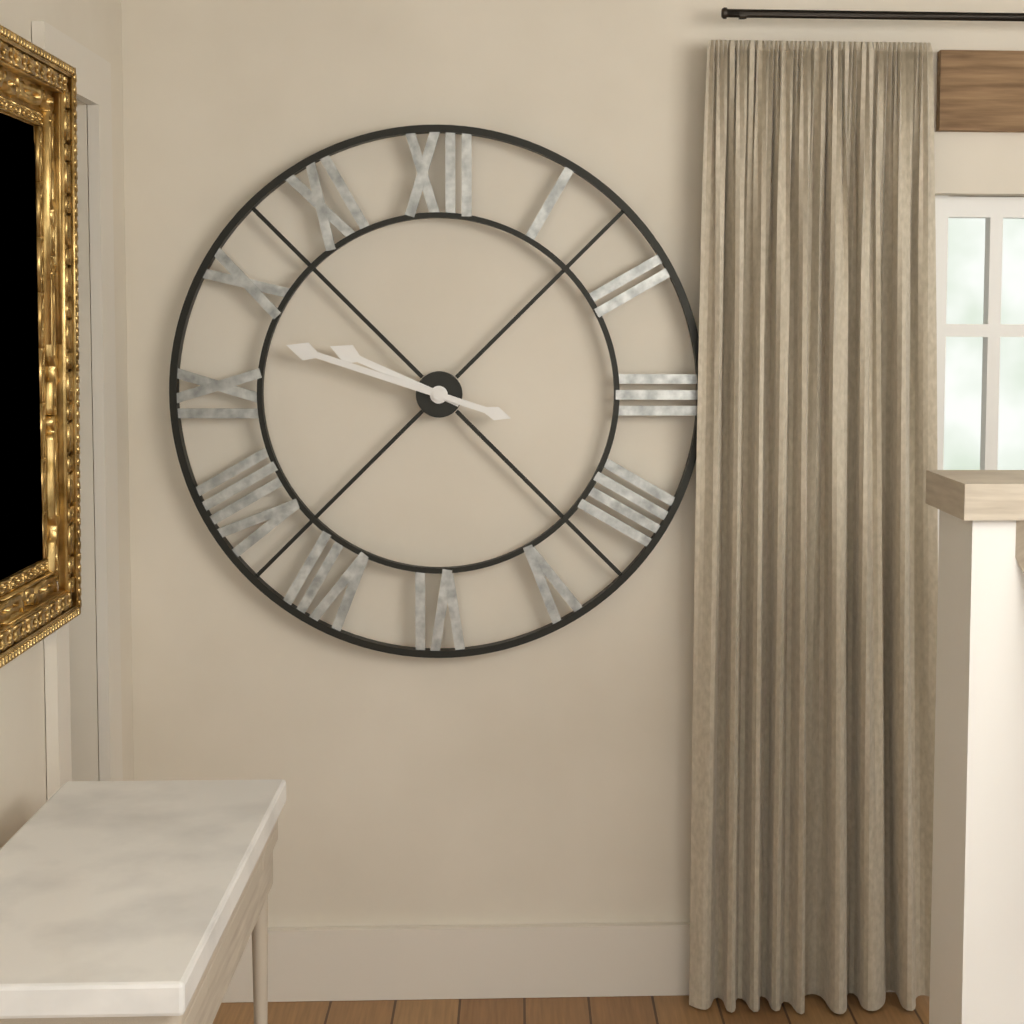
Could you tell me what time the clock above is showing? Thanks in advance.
9:48
